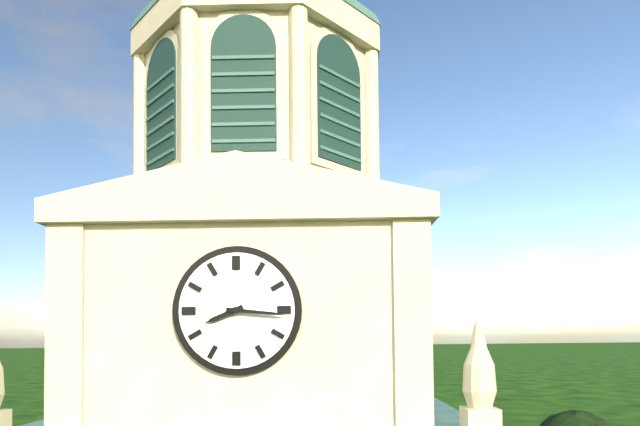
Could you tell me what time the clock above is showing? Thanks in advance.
8:16
